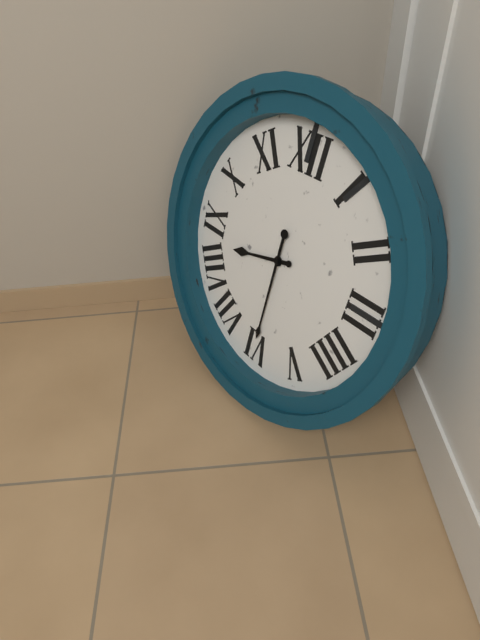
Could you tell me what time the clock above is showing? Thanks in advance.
8:30
